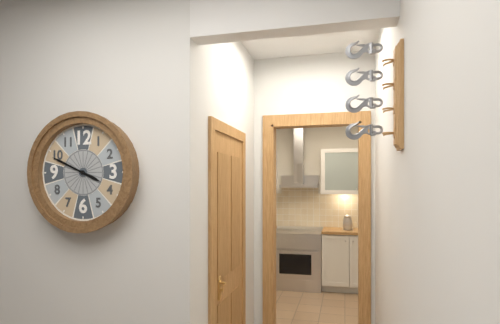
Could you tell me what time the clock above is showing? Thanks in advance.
3:49
